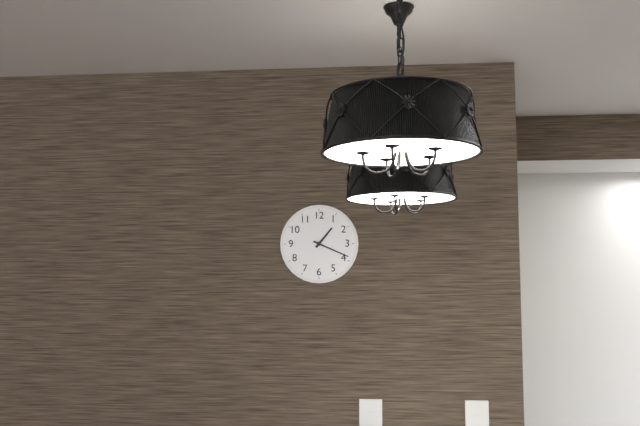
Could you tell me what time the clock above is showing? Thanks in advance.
1:19
